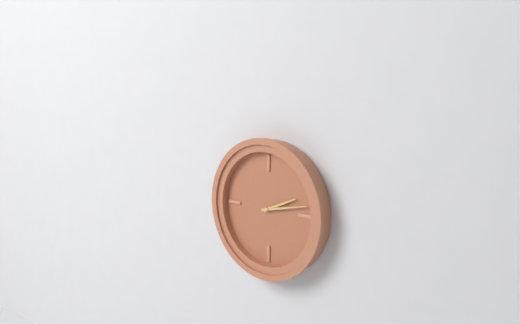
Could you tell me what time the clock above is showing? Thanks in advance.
2:13
